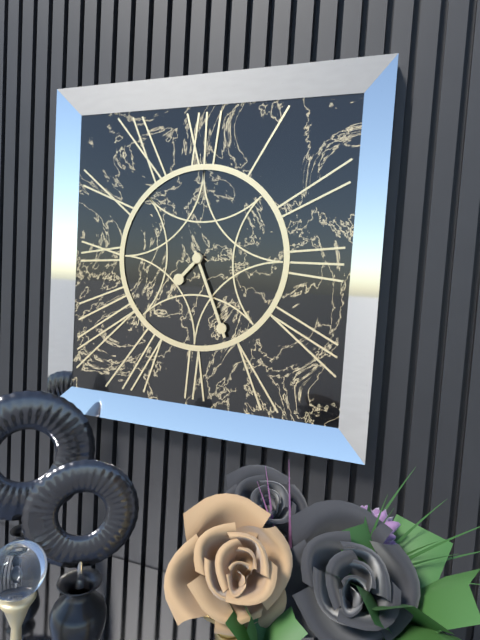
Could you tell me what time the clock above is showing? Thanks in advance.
7:26
